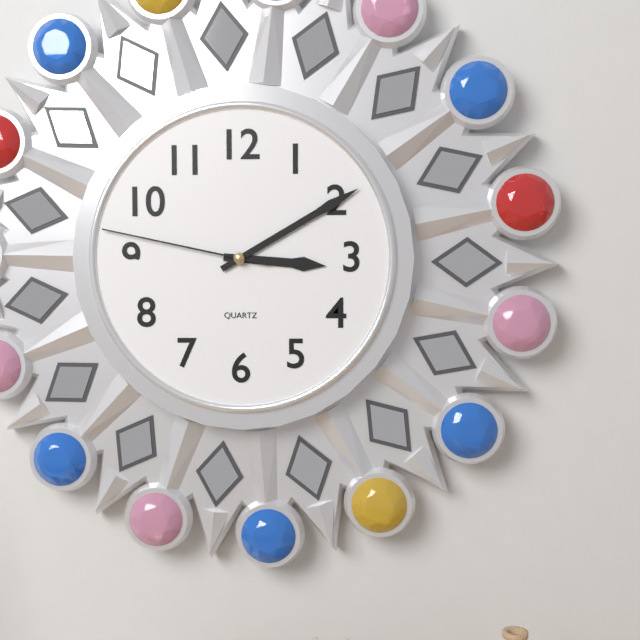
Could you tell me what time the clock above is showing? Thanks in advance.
3:10:47
